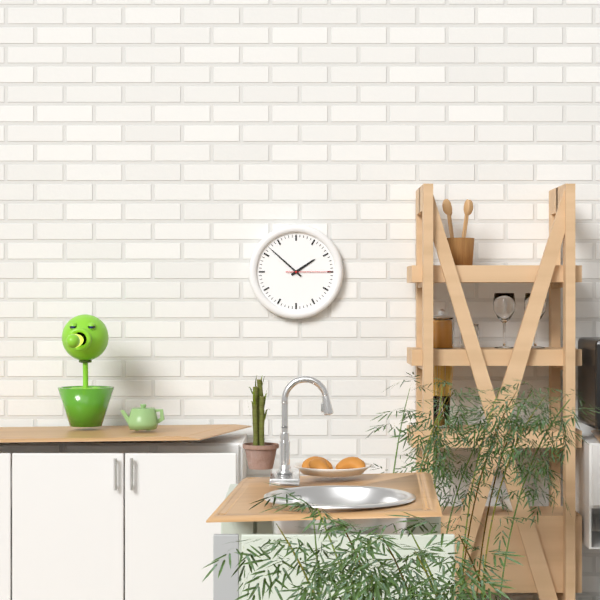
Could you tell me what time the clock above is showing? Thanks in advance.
1:52
